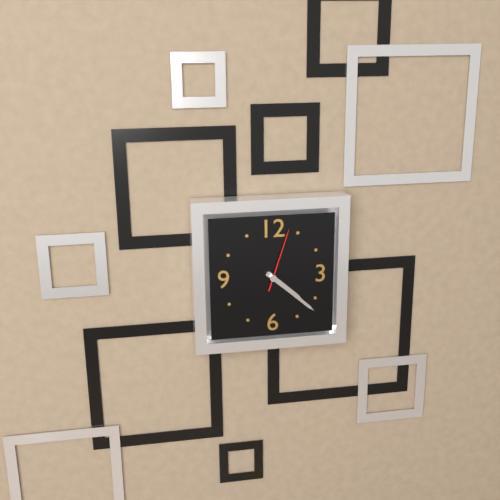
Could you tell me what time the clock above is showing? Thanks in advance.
4:22:03
